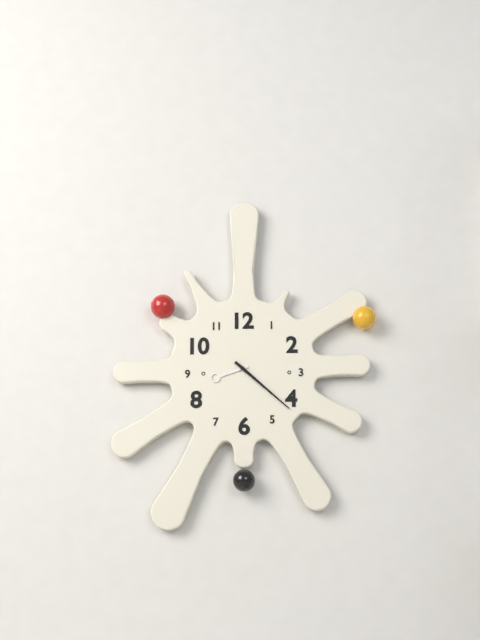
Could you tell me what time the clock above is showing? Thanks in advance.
8:22
